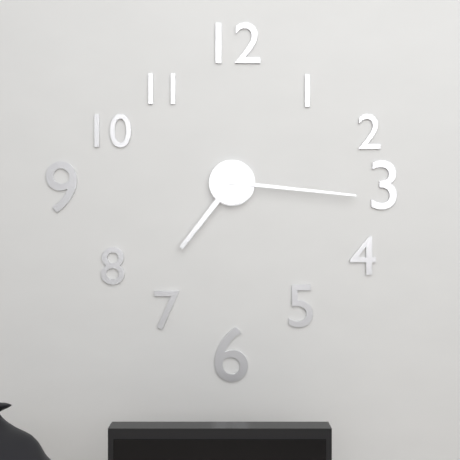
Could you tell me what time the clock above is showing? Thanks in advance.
7:16
